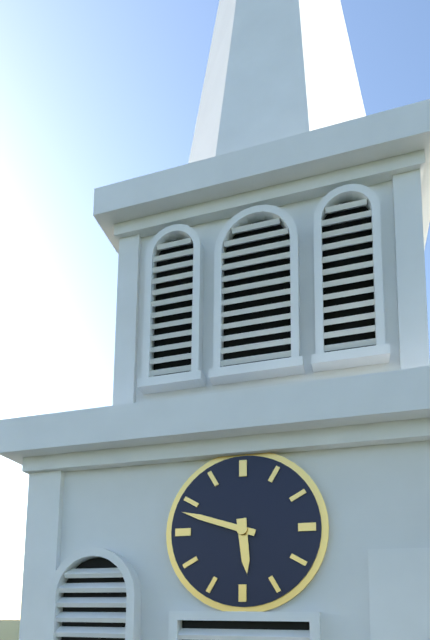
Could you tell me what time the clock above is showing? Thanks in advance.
5:48
